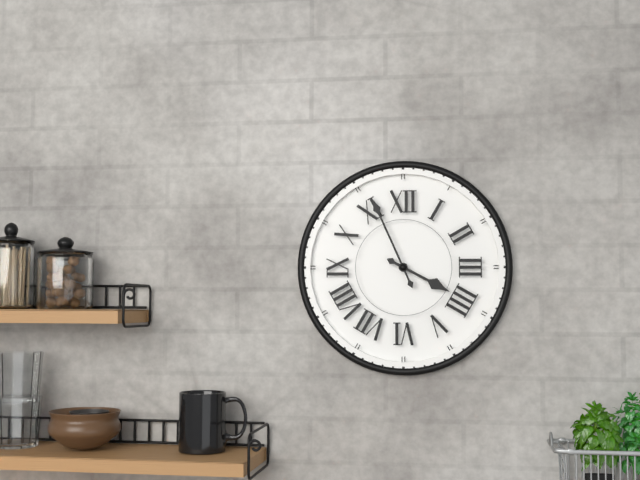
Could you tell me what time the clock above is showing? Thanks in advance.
3:56
